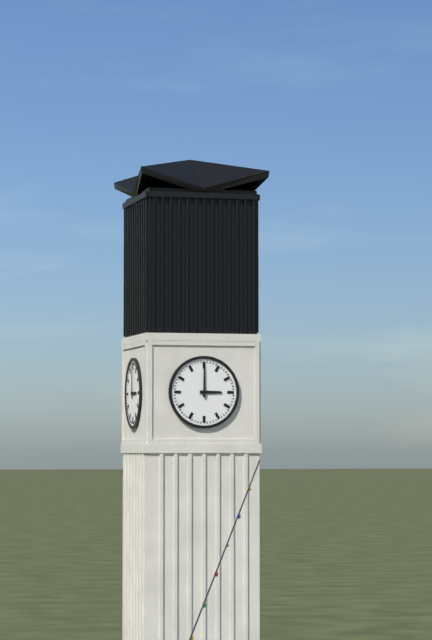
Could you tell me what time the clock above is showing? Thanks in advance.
3:00
